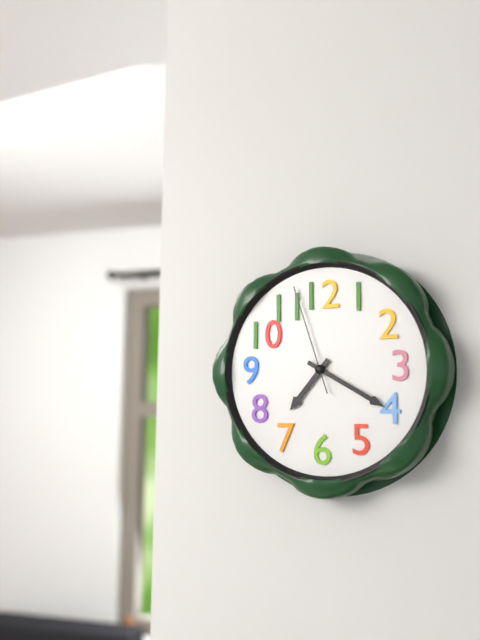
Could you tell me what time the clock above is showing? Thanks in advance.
7:20:57
